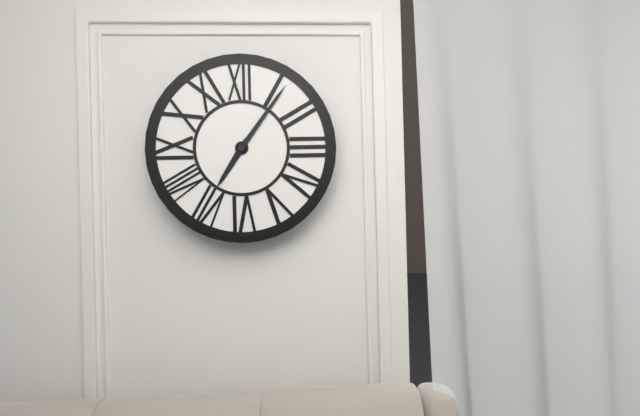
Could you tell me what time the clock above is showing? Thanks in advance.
7:06
